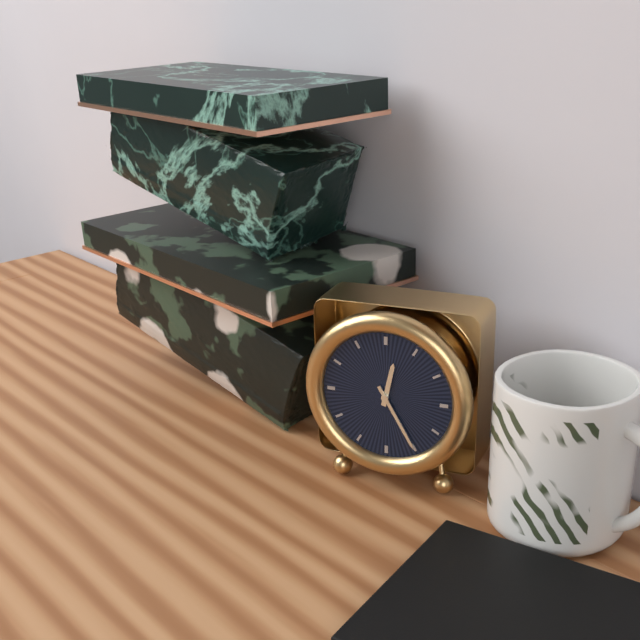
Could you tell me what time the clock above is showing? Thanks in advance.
12:25
